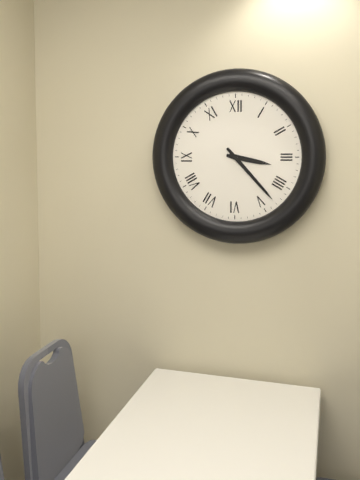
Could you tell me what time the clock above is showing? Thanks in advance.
3:23
